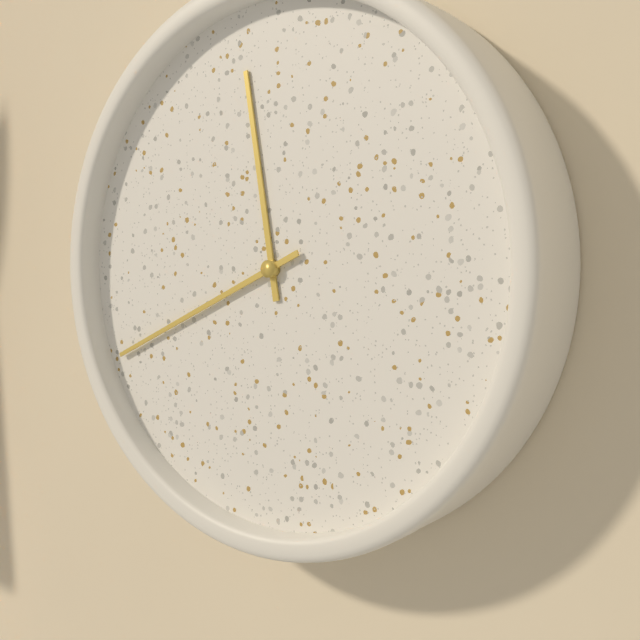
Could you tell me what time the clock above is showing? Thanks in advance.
11:41
